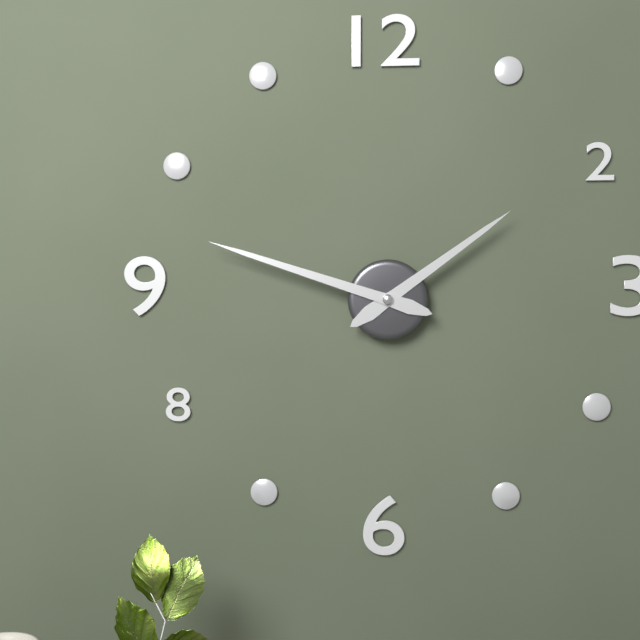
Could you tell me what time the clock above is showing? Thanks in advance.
1:48
